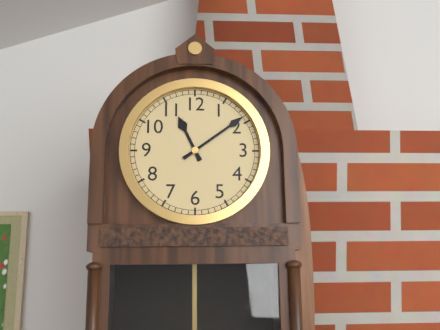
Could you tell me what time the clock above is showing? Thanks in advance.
11:09
